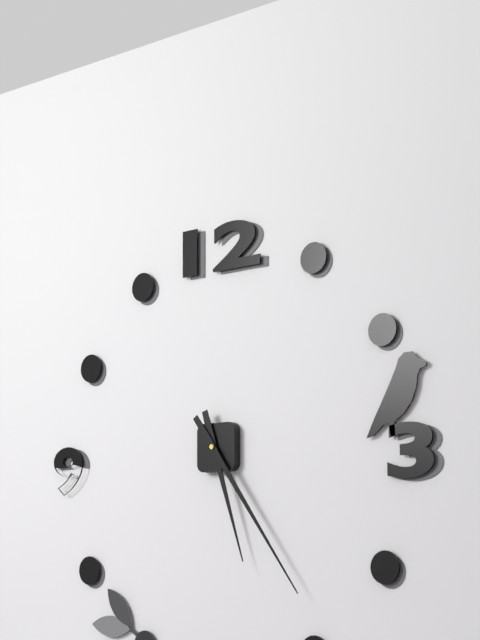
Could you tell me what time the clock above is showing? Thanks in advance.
5:24
